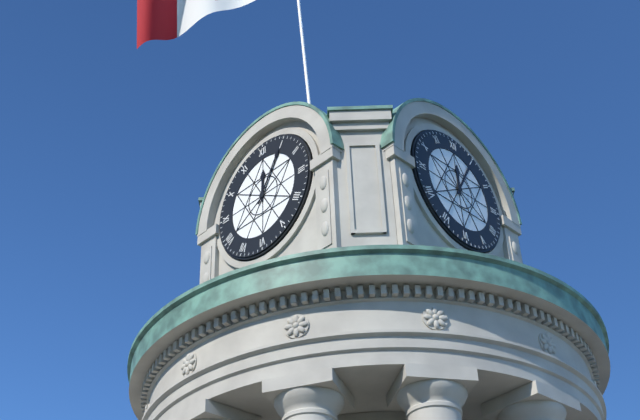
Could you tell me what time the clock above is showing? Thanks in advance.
12:05
